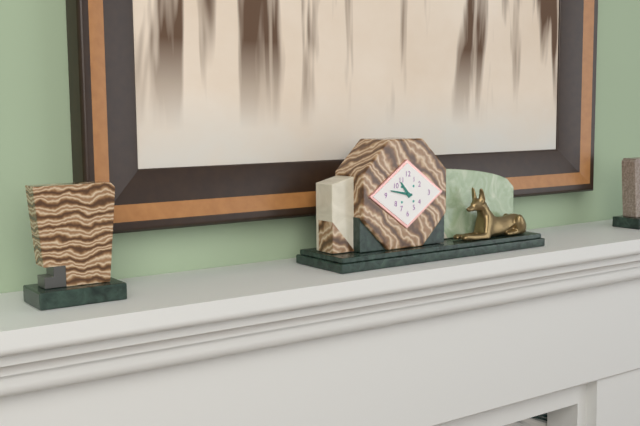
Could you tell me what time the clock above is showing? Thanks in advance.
10:47
